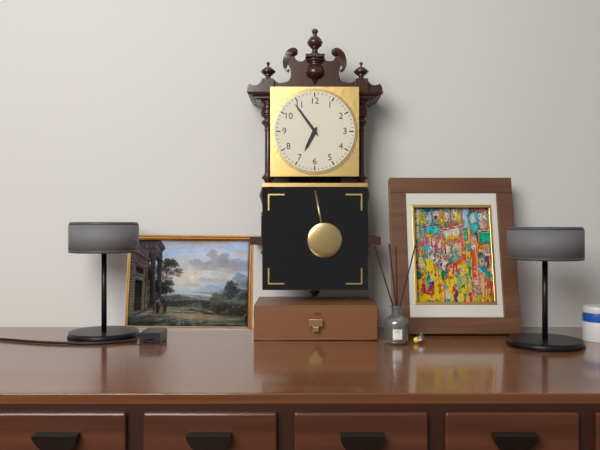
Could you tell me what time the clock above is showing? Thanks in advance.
6:54
